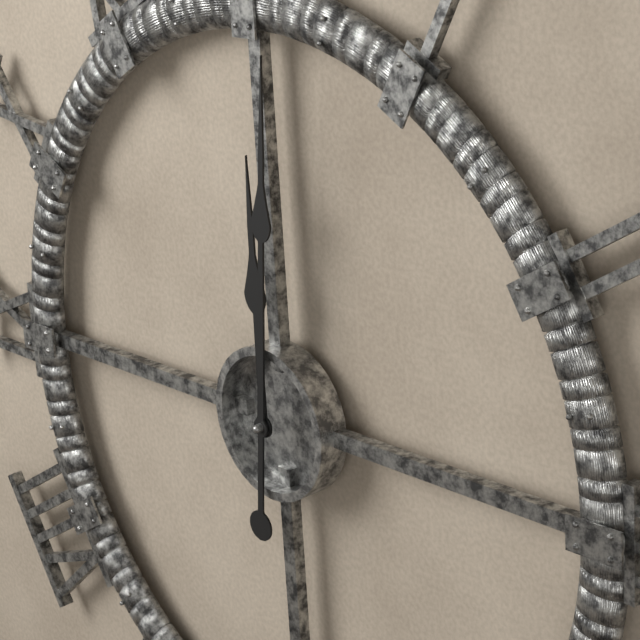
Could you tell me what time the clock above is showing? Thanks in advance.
12:01
